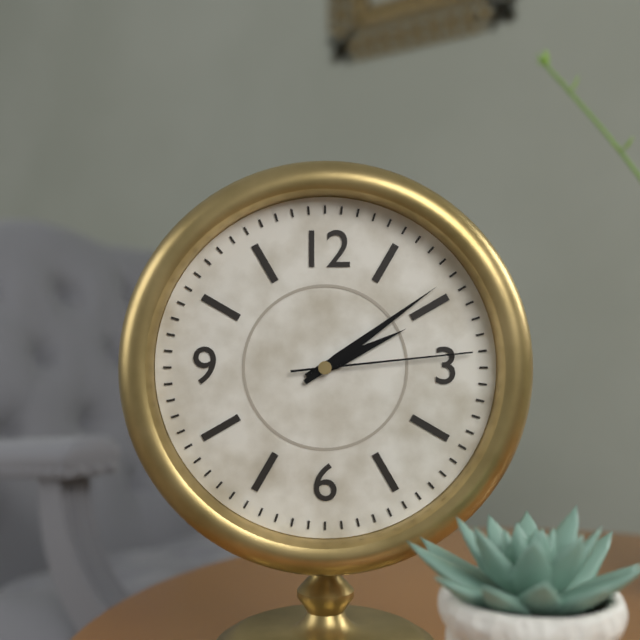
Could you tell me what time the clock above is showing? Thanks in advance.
2:09:14
